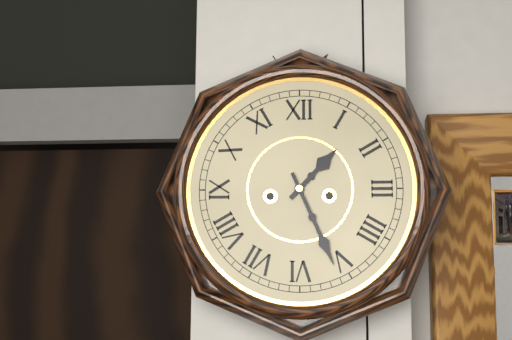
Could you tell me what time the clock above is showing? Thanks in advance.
1:26
